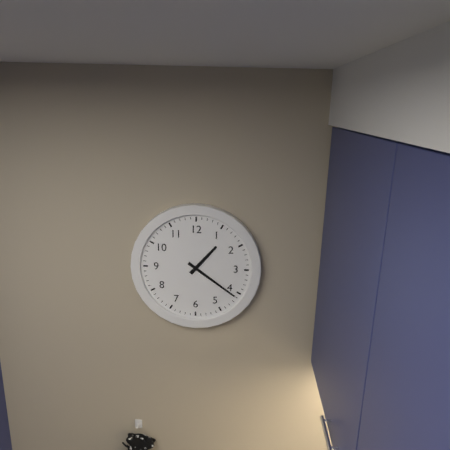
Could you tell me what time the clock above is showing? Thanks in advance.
1:21
